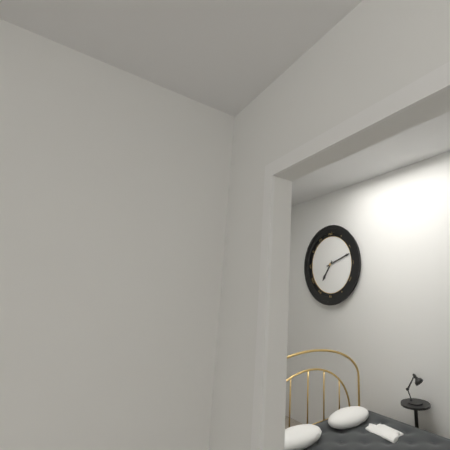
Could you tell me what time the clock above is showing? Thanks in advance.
7:12
